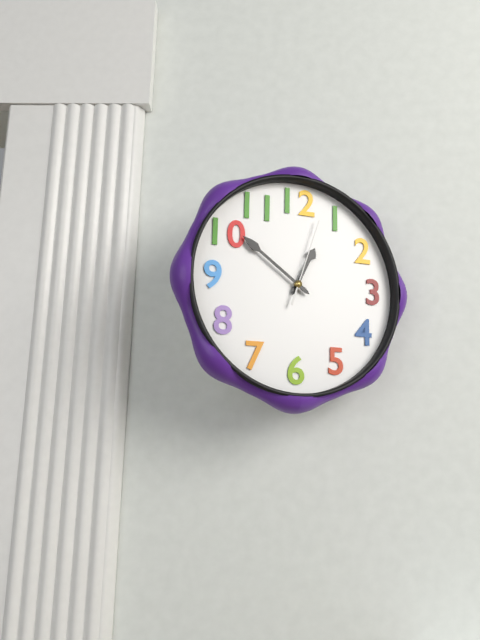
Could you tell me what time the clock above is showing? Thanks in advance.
12:51:03
